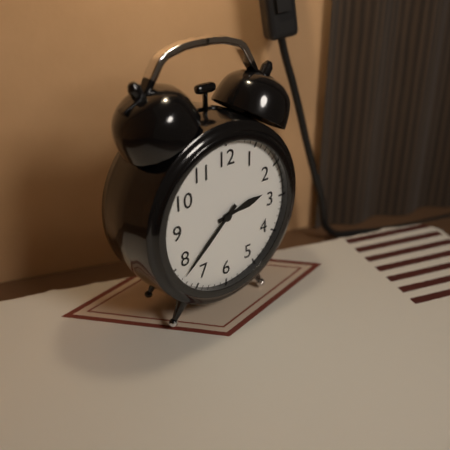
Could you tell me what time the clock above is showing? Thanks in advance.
2:38
